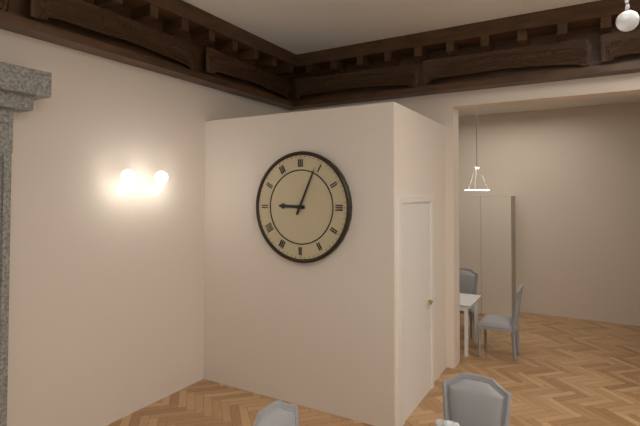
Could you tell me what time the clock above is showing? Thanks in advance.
9:04
